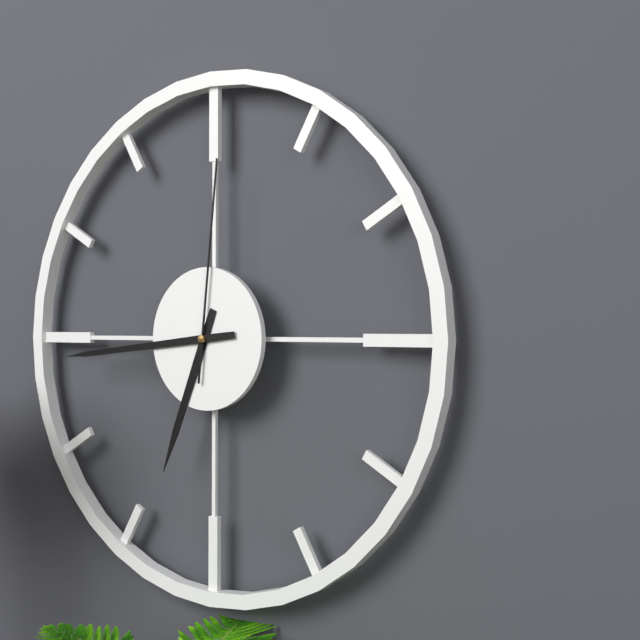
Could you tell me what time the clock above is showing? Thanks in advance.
6:44:01
